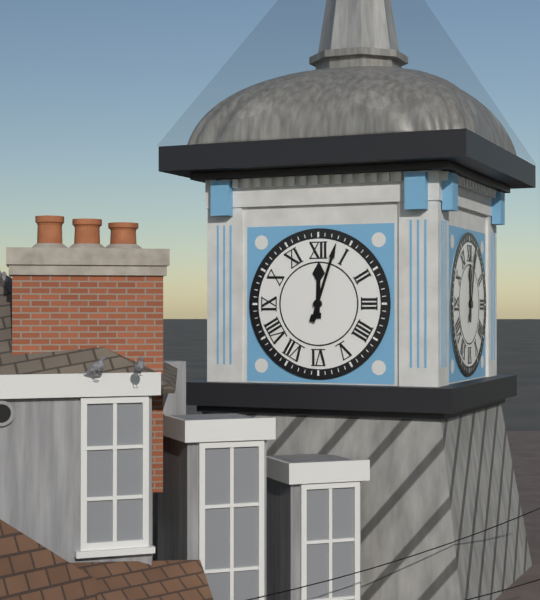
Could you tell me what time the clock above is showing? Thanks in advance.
12:03
